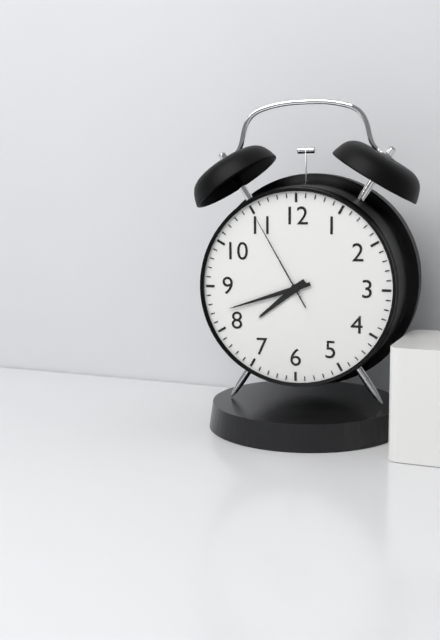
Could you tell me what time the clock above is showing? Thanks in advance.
7:42:55
